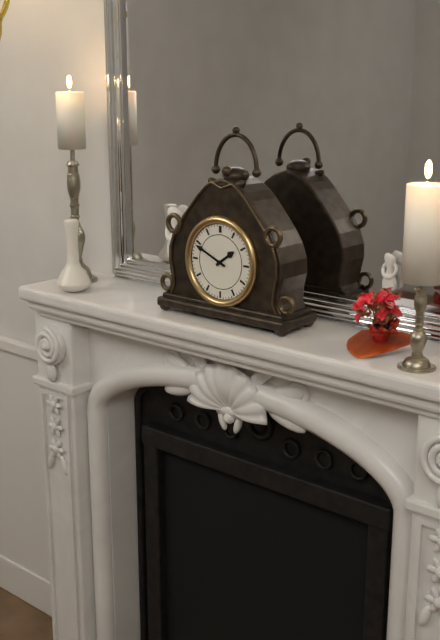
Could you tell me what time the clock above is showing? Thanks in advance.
1:49
